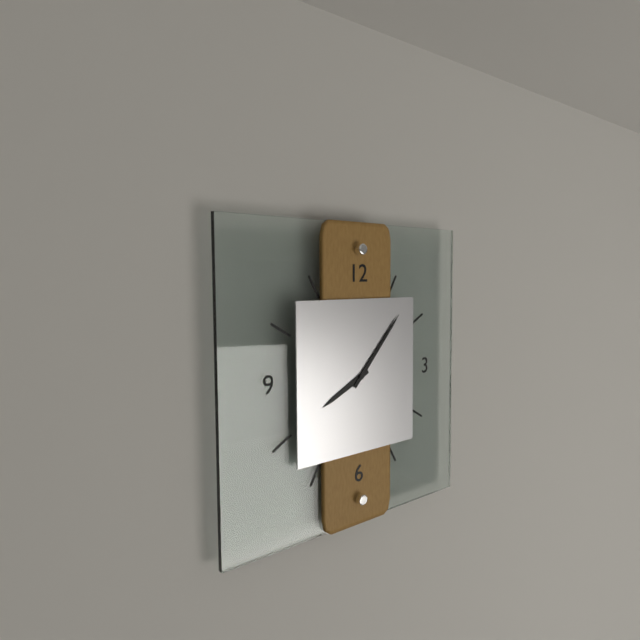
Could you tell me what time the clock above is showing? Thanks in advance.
8:07
